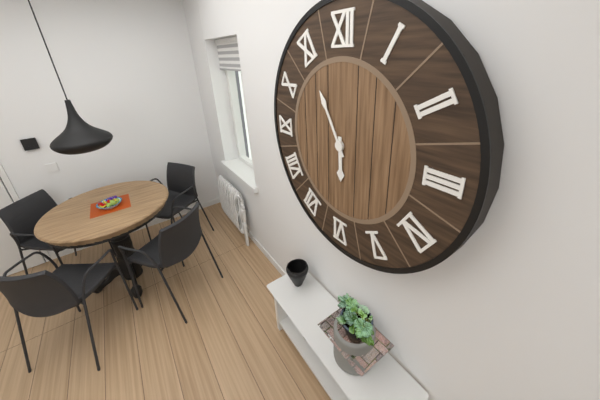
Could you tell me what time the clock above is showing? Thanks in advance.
5:55
